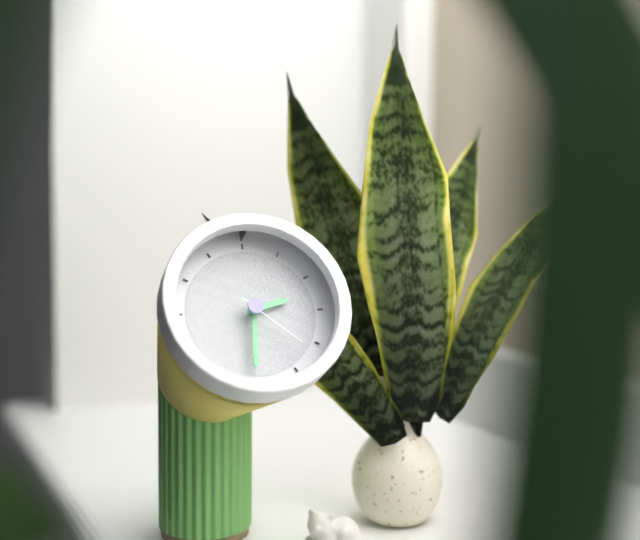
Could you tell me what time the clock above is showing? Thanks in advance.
2:31:22
